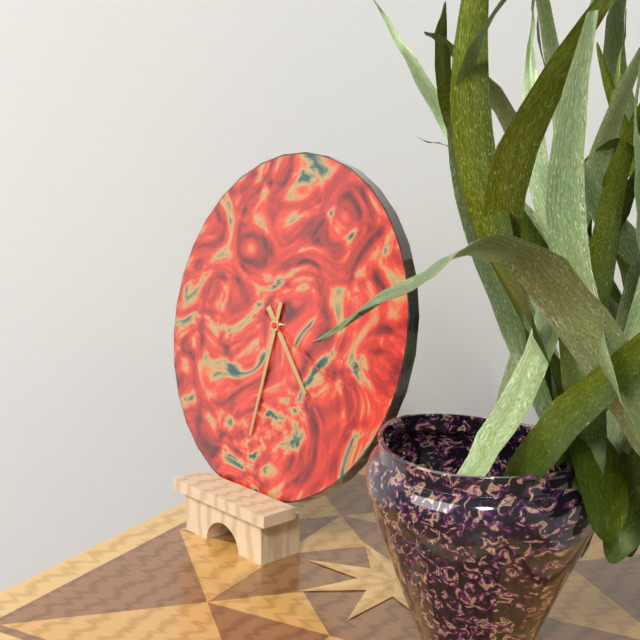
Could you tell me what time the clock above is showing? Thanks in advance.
4:31:19
